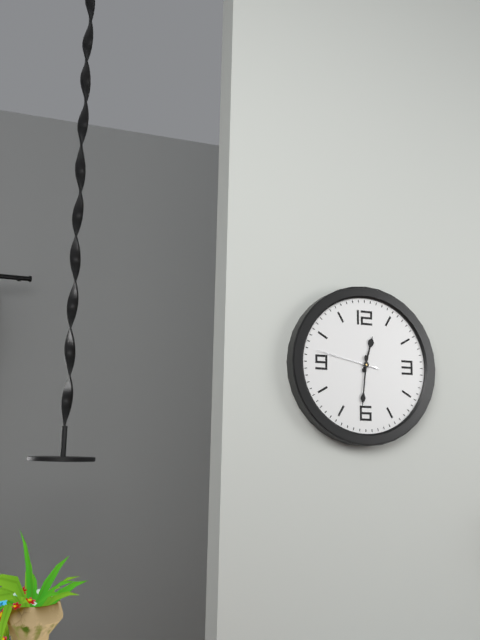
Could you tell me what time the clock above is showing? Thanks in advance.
12:31:47
